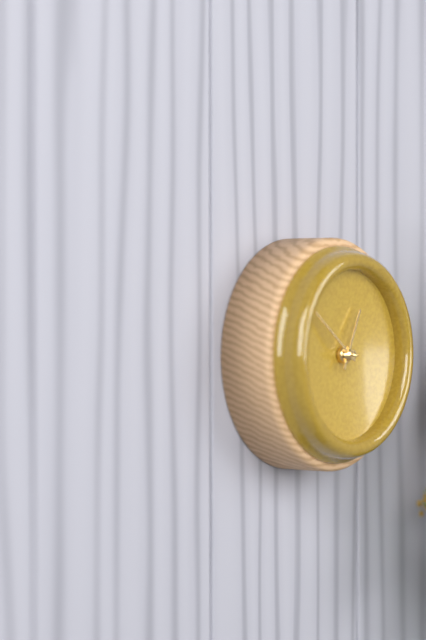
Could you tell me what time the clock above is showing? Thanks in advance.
12:51
